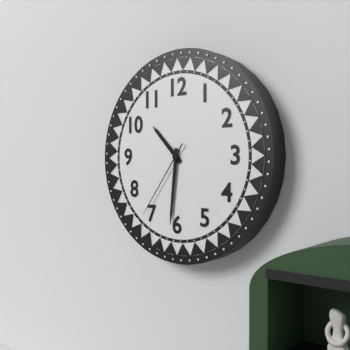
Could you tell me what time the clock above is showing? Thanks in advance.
10:31:36
